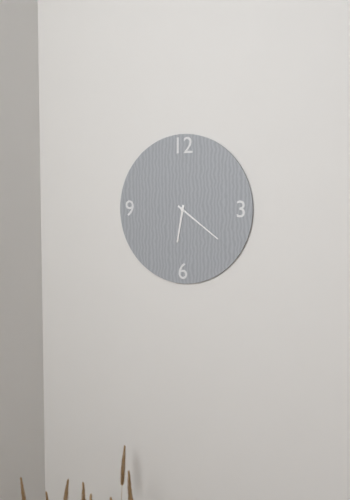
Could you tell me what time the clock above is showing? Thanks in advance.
6:21
